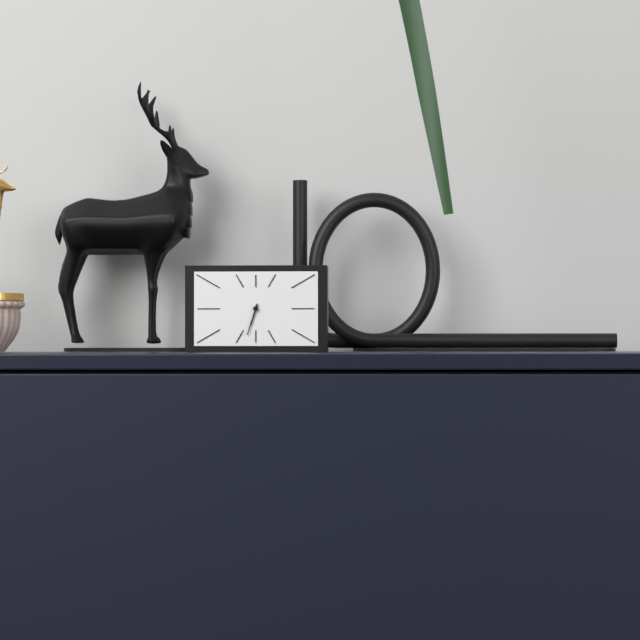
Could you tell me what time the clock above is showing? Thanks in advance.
6:33
